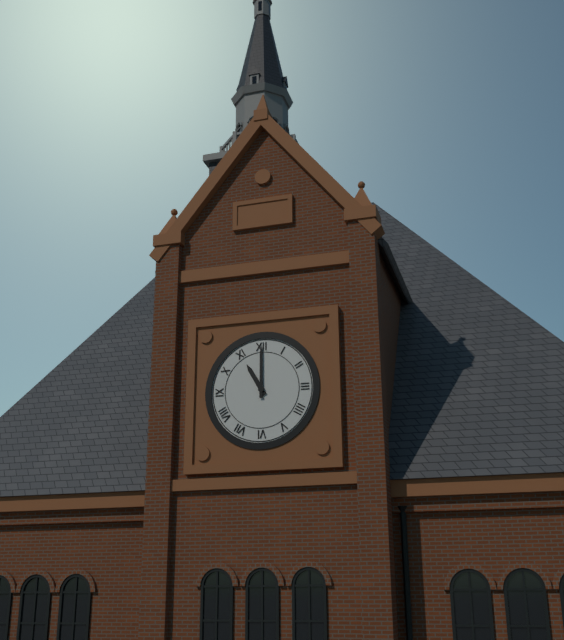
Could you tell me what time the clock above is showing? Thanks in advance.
11:00
